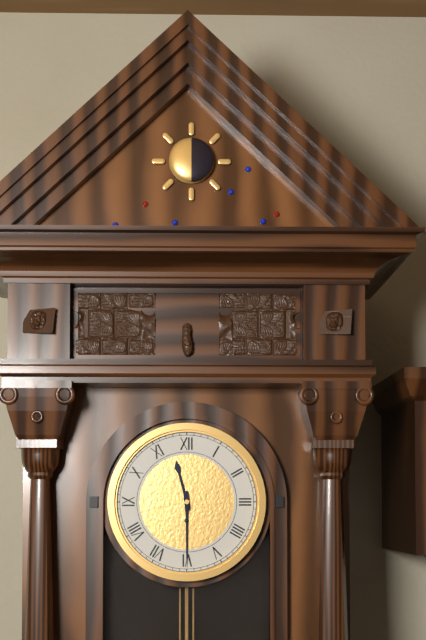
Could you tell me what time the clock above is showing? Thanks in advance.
11:30
